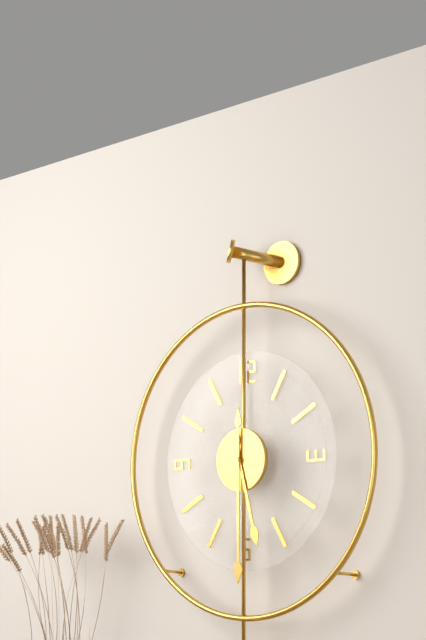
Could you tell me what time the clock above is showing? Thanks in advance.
5:30
